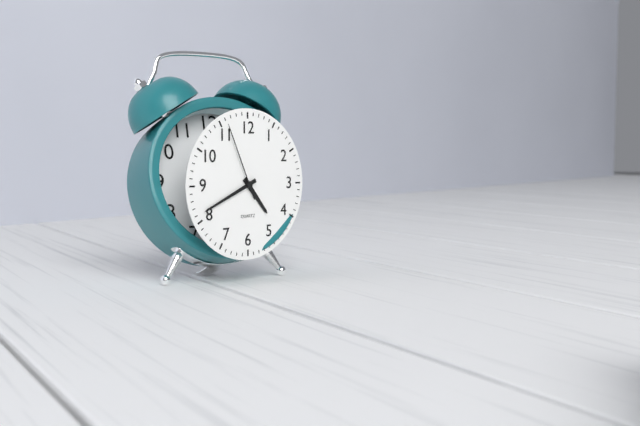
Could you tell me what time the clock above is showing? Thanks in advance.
4:41:56
